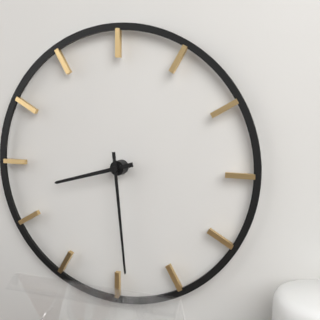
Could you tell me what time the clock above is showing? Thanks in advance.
8:29
